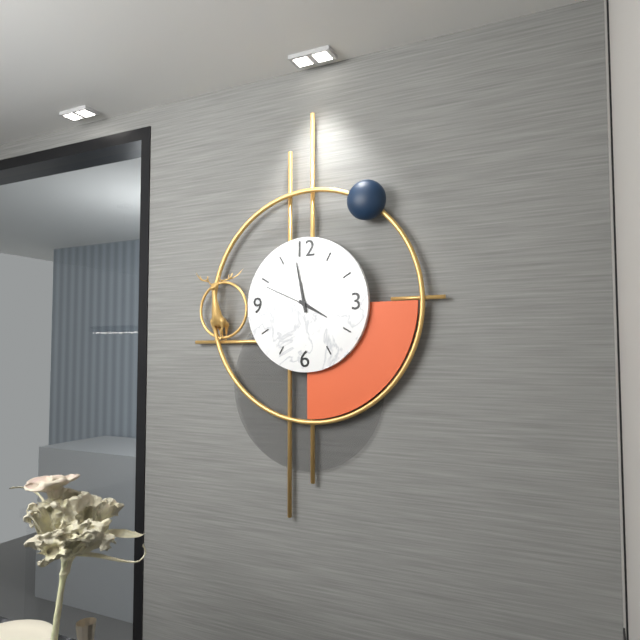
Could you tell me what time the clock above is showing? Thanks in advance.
3:58:49
